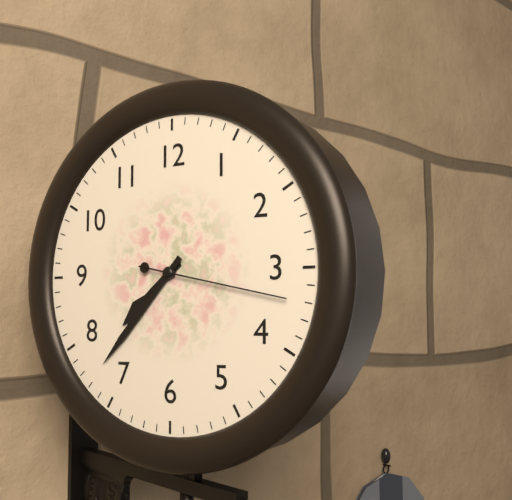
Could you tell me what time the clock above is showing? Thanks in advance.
7:37:17
